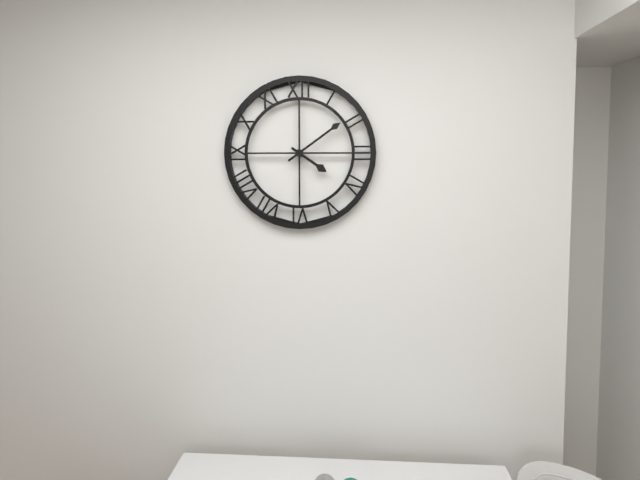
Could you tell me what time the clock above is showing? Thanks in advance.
4:09
